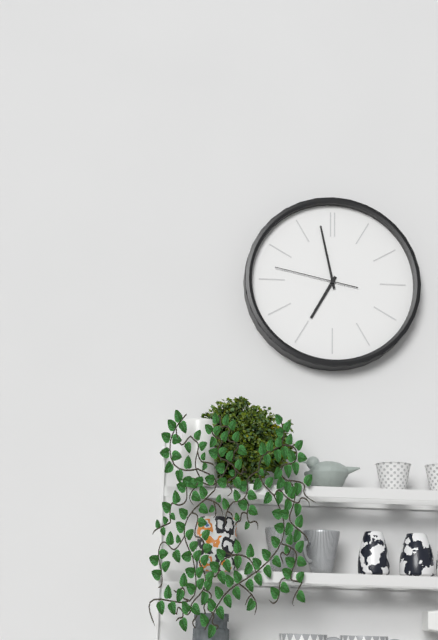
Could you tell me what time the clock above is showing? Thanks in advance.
6:58:47
